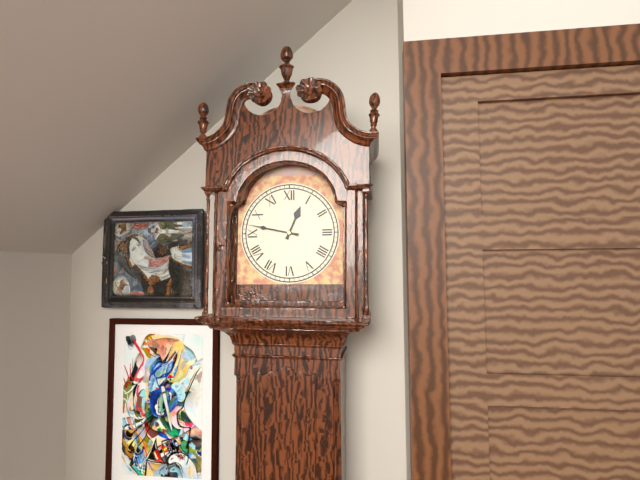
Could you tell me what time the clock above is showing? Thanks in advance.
12:47
